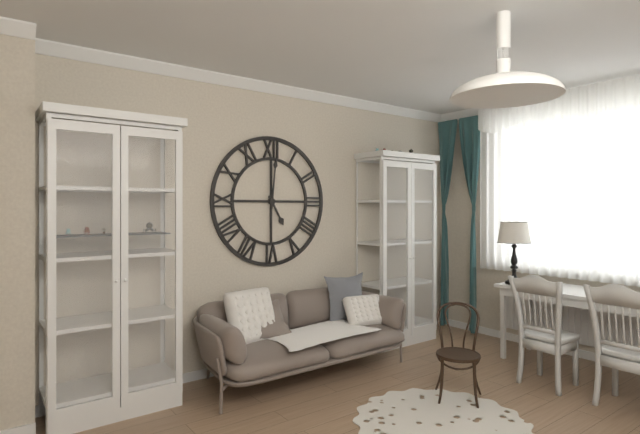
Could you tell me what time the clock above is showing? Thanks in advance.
5:01
